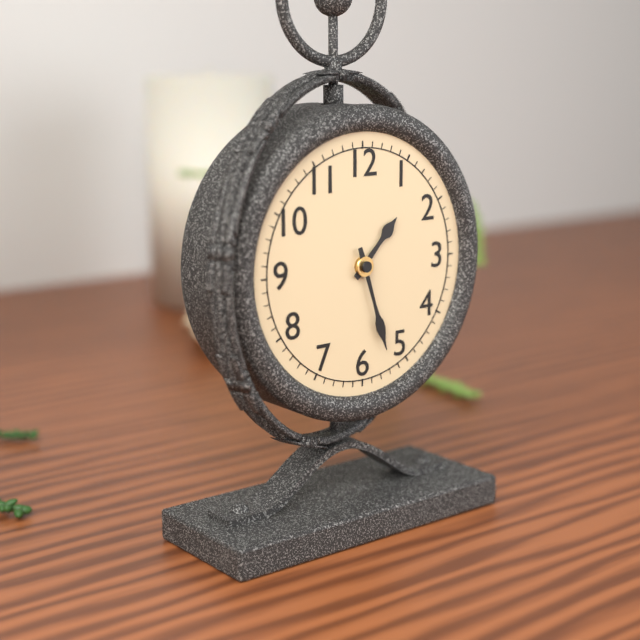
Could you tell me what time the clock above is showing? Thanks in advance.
1:27
